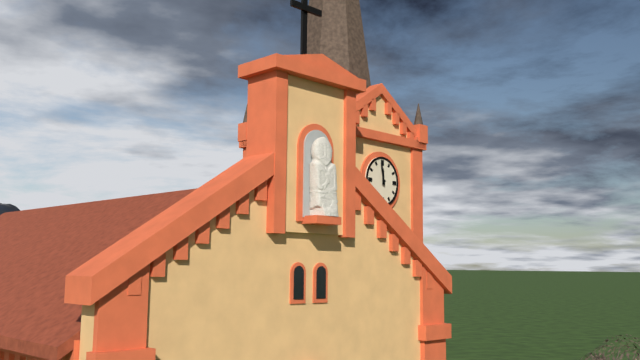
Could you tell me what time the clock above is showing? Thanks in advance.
11:58
